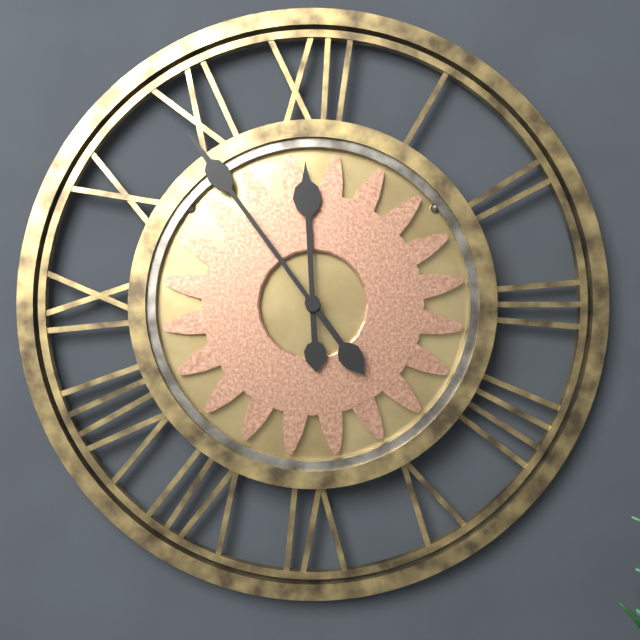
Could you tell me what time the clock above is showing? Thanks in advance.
11:54
